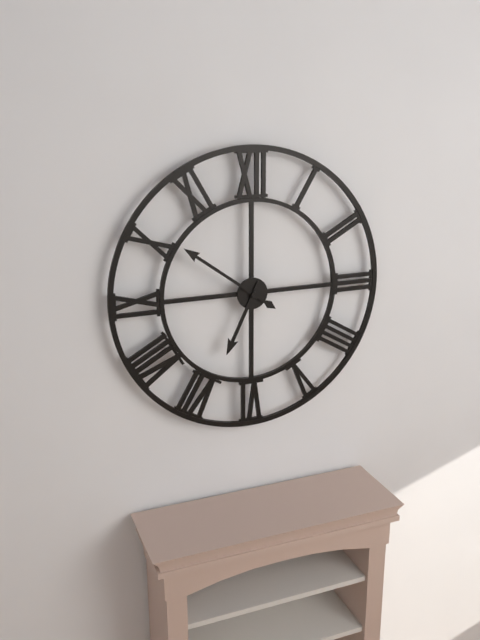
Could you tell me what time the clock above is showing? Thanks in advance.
6:51
